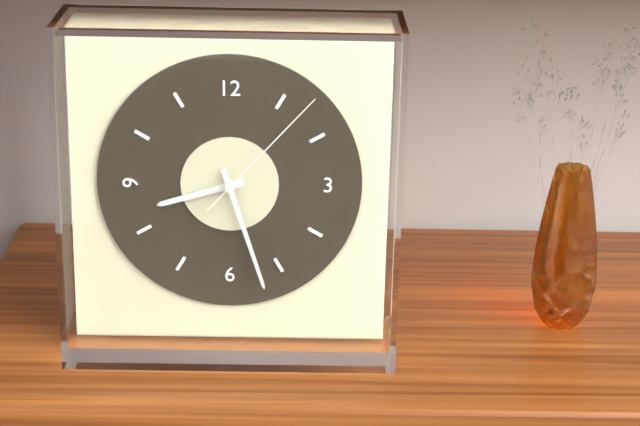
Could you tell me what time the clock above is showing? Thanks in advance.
8:27:07
